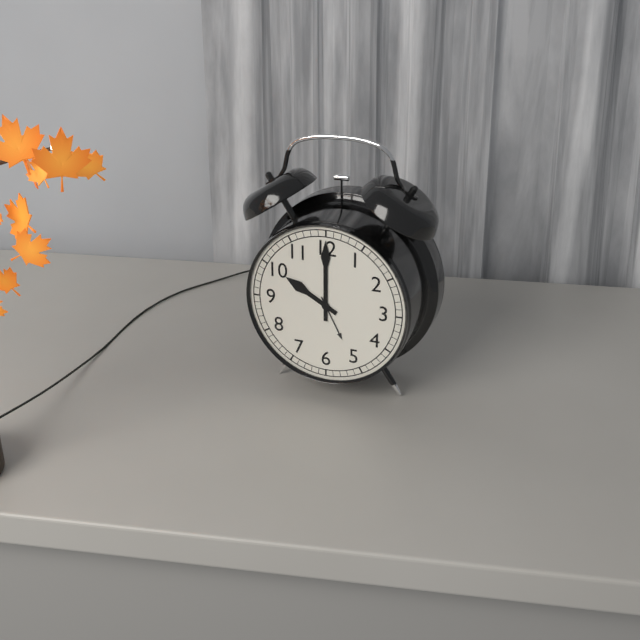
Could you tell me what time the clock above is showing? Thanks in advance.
10:00
